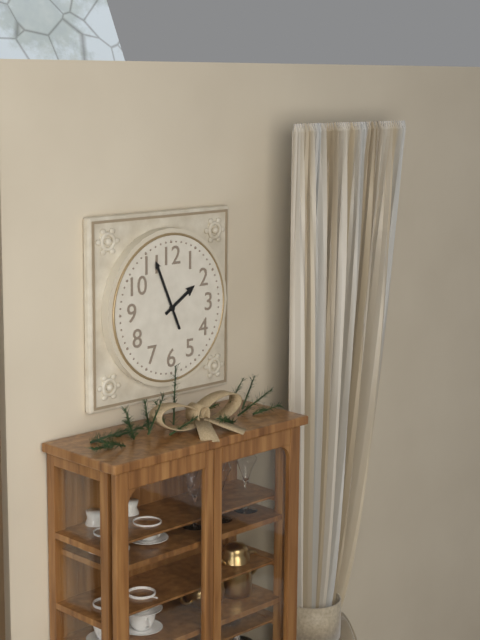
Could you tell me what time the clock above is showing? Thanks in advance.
1:56
